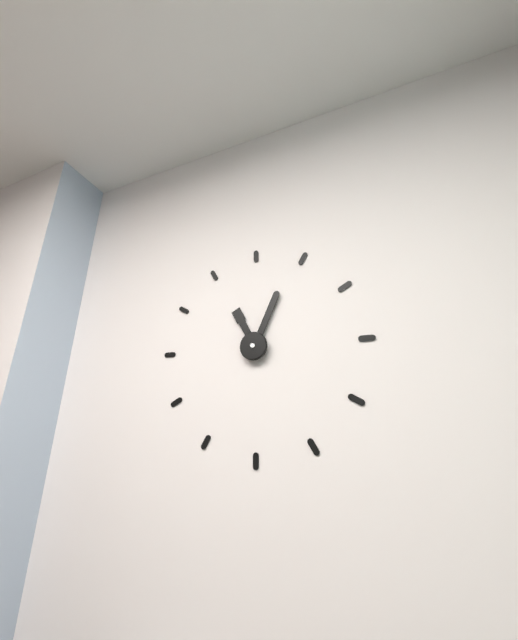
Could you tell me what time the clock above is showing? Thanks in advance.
11:04
